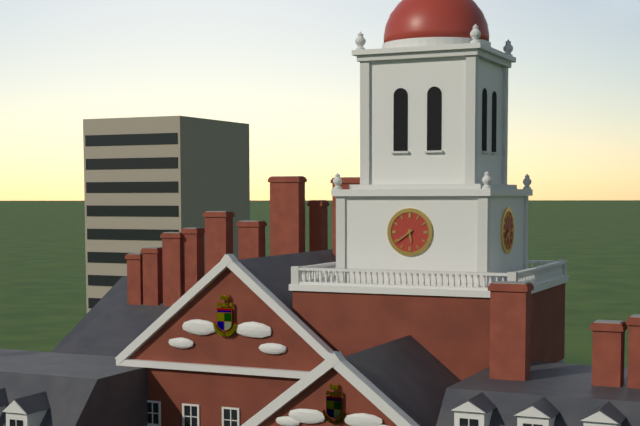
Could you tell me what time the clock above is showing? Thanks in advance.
5:39
